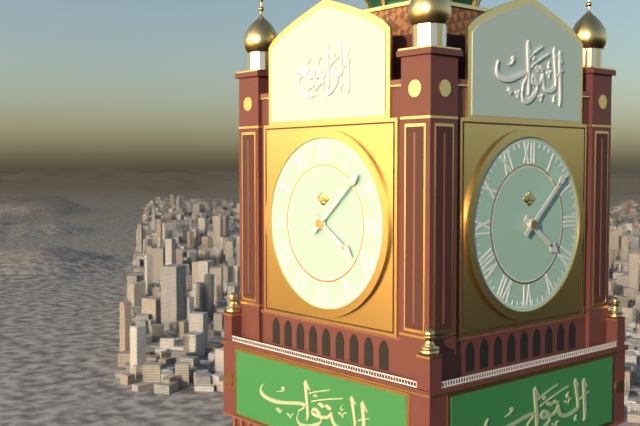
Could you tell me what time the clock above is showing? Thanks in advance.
4:08
